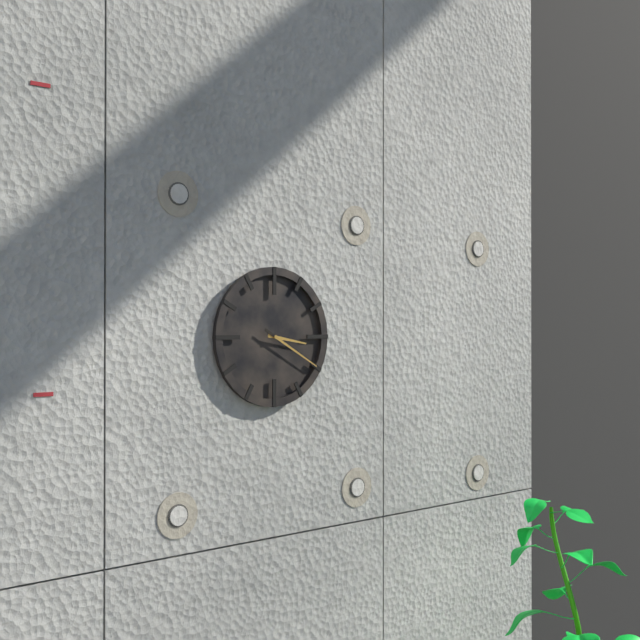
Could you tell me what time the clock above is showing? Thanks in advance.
3:20
